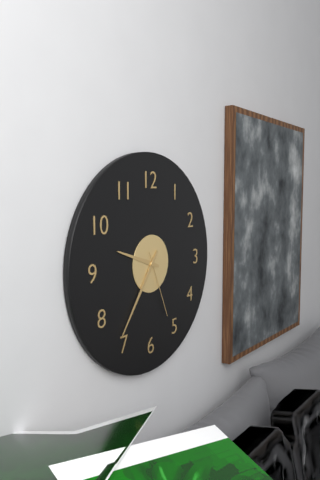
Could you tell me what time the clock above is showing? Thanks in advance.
9:36:26
